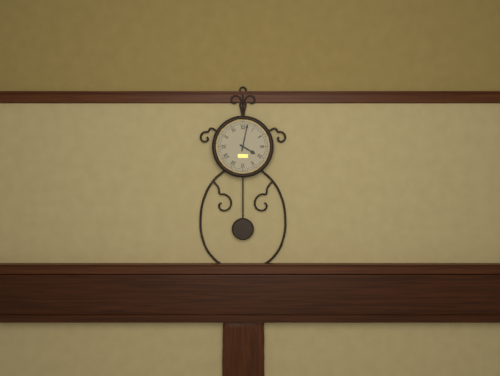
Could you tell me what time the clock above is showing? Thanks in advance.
4:02
